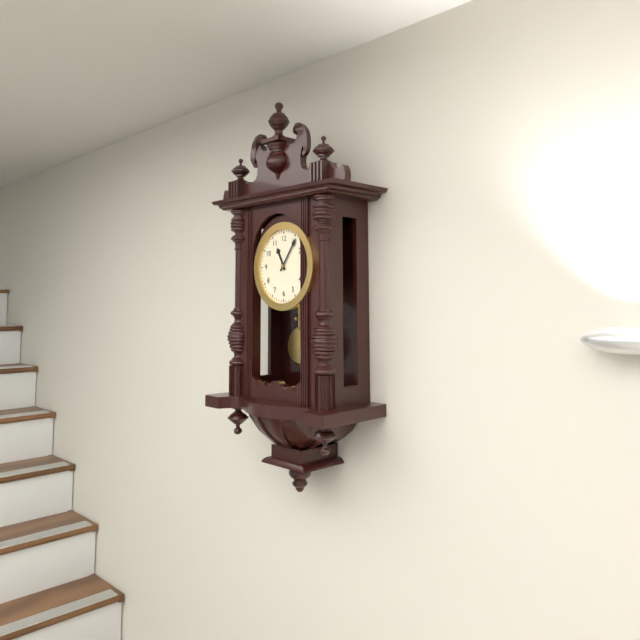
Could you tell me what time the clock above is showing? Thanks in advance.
11:06
